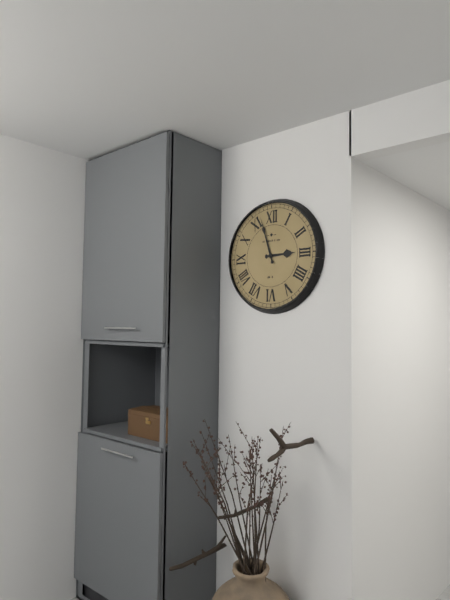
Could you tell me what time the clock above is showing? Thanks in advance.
2:57
